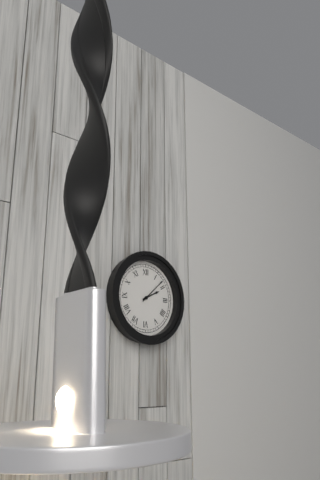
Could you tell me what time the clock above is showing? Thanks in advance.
2:08
